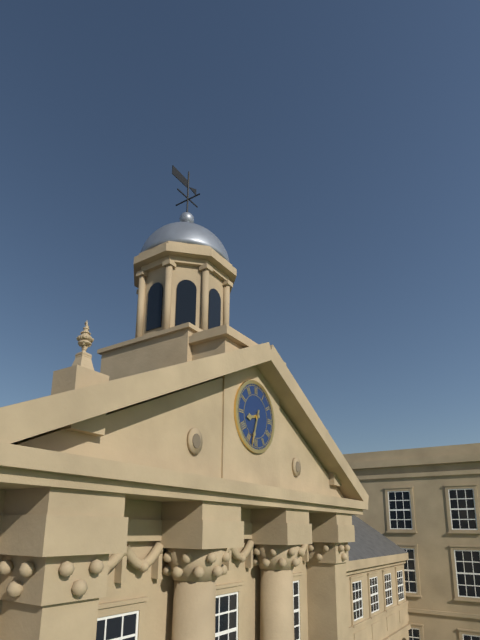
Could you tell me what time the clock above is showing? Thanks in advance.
8:33
